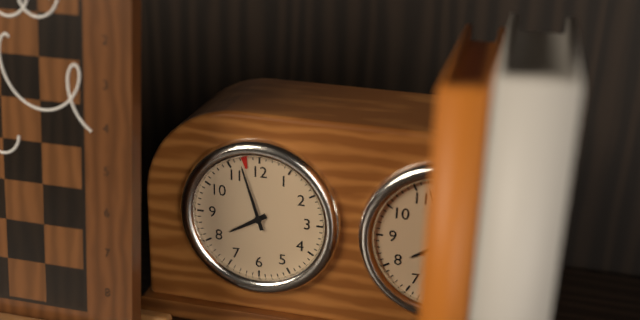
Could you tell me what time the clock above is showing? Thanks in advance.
7:57
